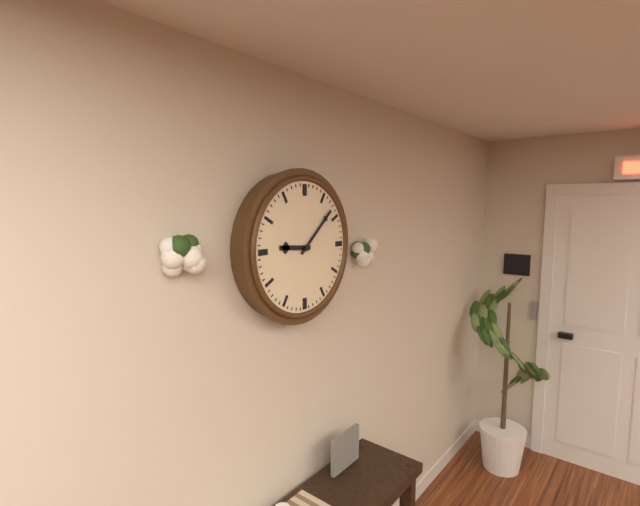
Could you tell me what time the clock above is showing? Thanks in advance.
9:08
